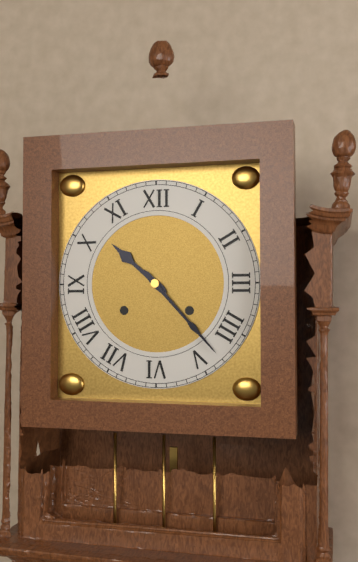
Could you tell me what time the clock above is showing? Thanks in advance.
10:23
